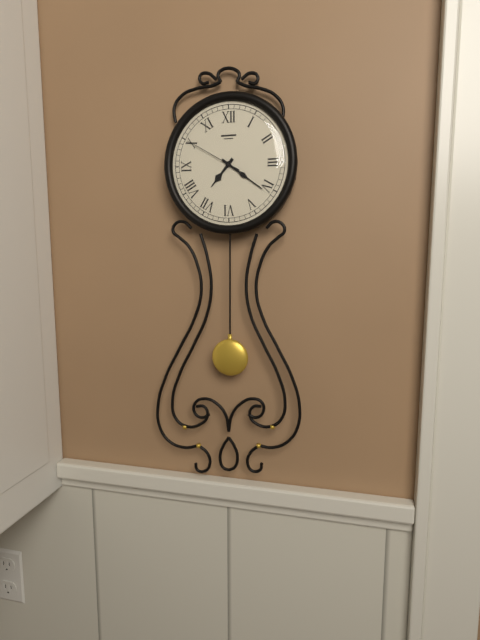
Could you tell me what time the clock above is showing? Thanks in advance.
7:21:50
